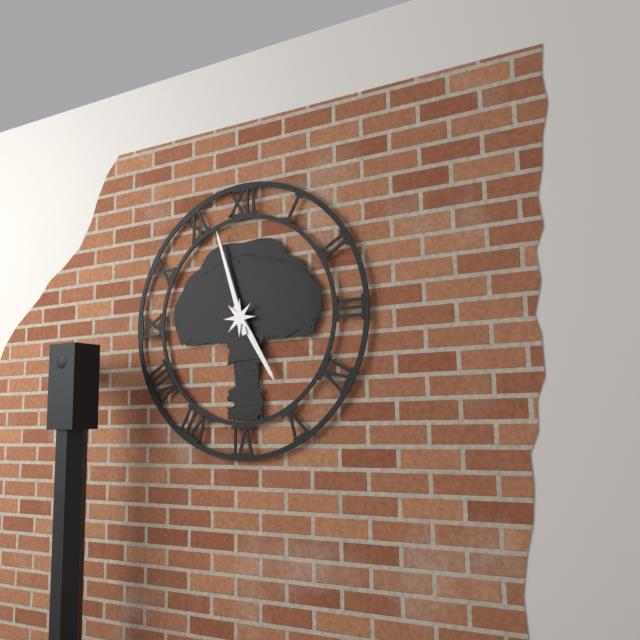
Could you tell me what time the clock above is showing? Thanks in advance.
4:57
